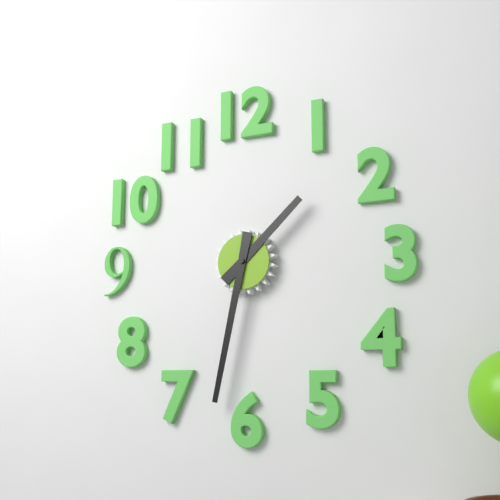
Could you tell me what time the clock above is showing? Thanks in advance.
1:32
